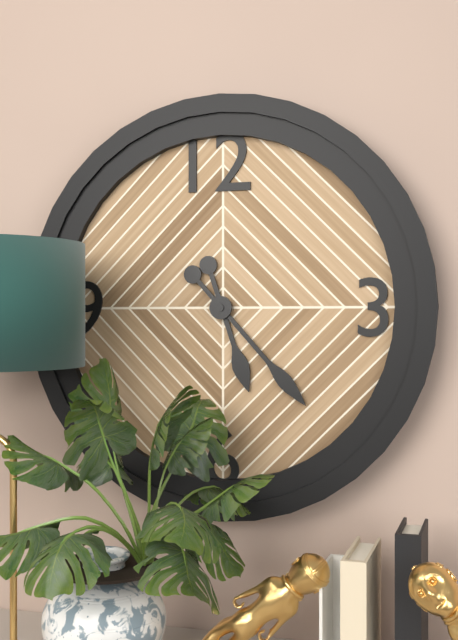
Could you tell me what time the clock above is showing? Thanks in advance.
5:23
